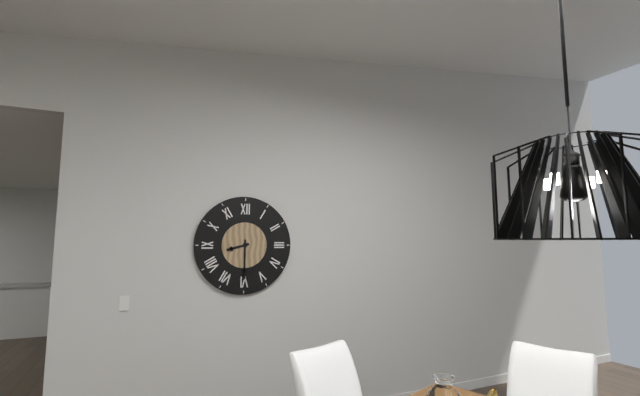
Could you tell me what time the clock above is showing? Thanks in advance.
8:30
